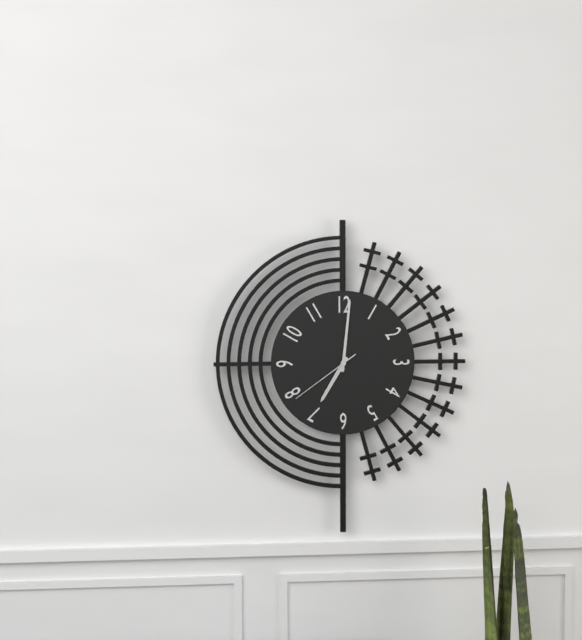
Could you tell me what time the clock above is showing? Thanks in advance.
7:01:39
